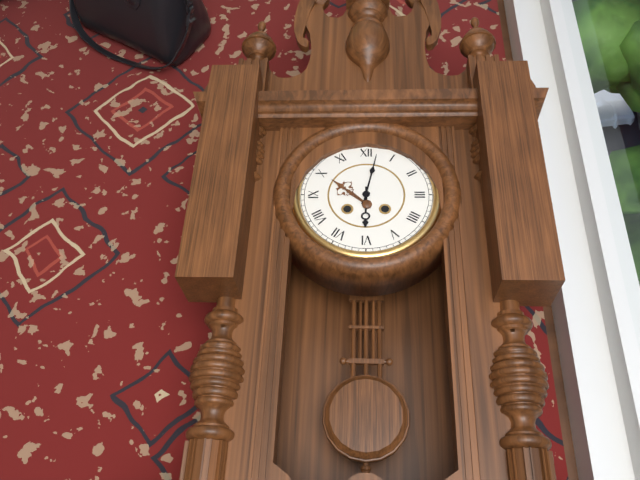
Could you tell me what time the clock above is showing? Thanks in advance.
6:02
